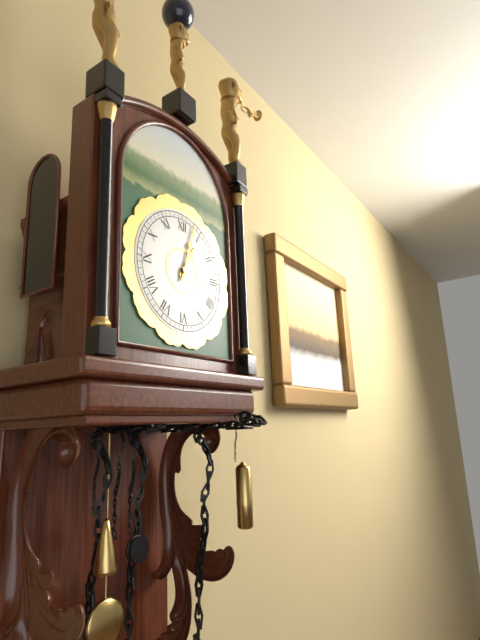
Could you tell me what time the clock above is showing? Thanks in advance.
1:03
